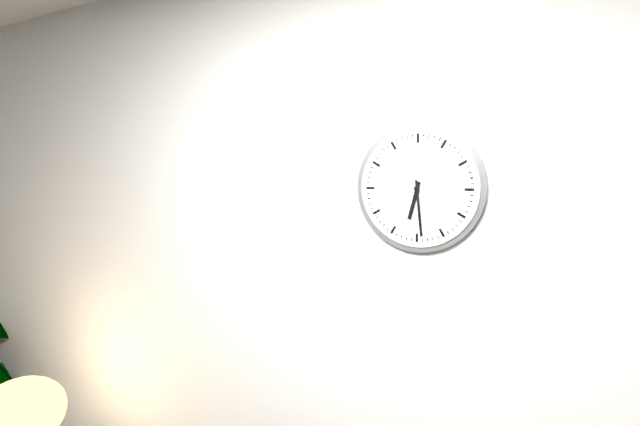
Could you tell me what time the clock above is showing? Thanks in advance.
6:29
